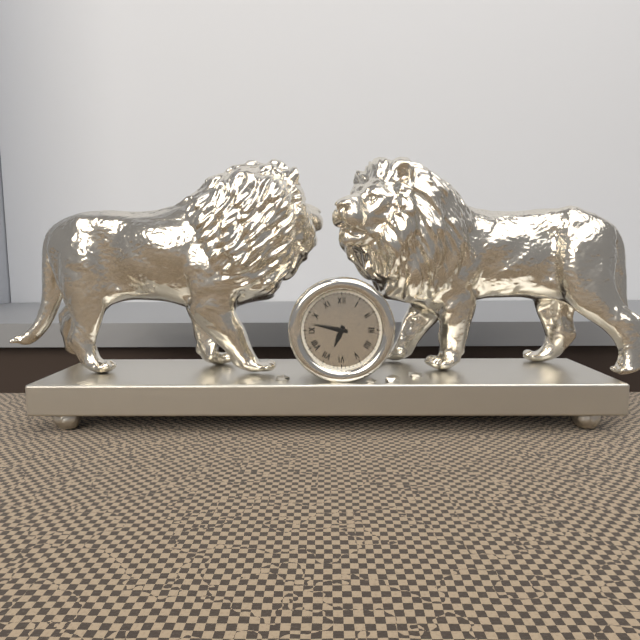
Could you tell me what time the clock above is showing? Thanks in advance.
6:47
